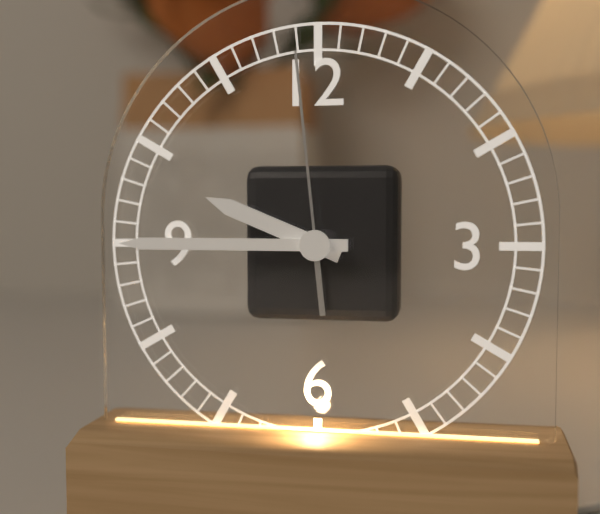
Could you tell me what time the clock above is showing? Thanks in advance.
9:45:59
